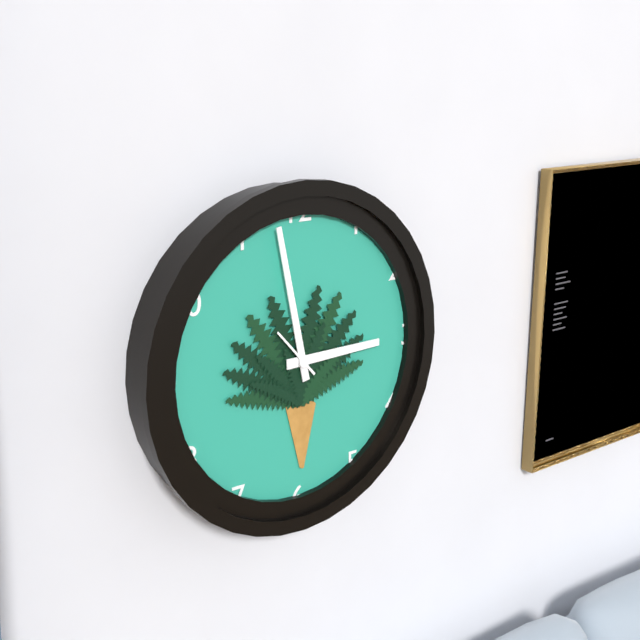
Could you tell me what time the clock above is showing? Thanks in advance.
2:58
